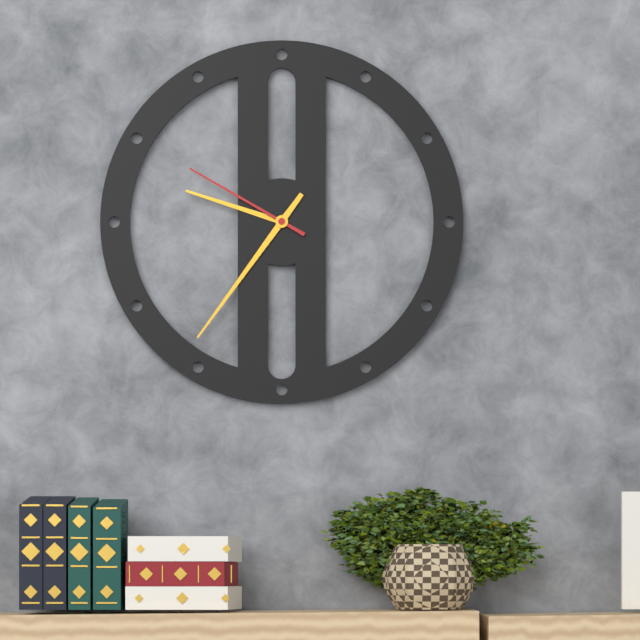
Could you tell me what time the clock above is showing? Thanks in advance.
9:36:50
